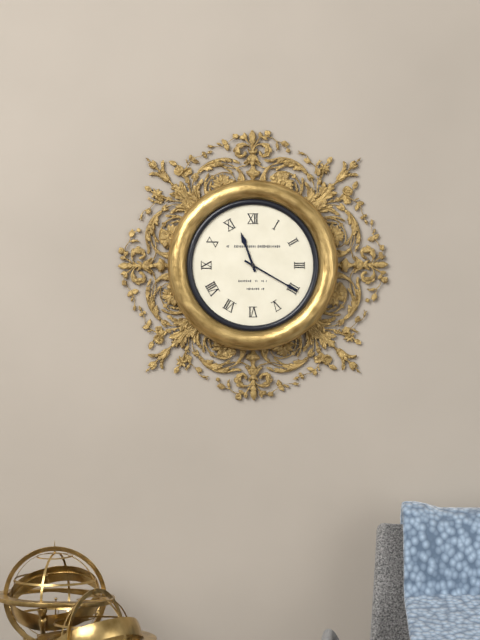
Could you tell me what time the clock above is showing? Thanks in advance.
11:20
